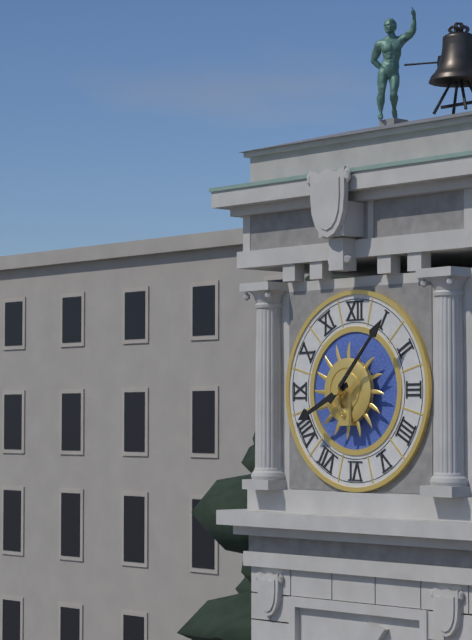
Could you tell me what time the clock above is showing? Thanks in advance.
8:07
